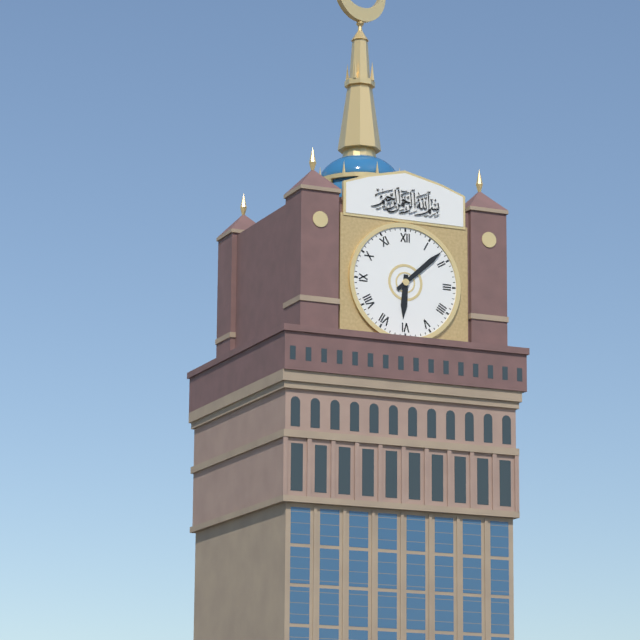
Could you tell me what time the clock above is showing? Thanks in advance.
6:08
